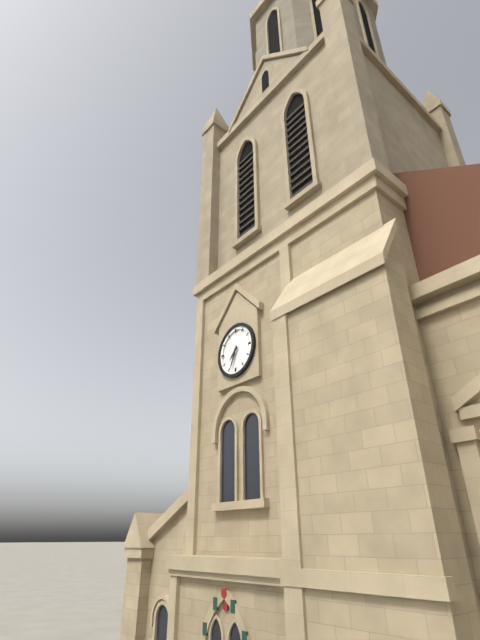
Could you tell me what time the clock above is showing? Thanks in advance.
7:34
